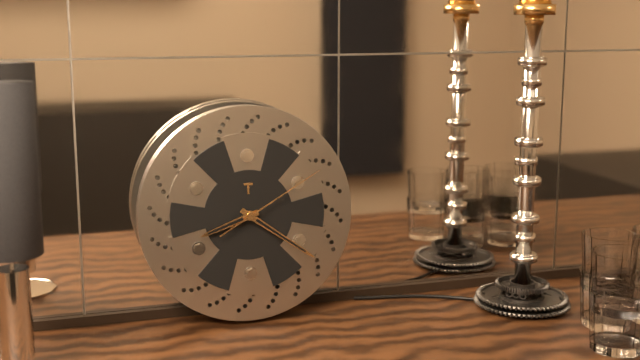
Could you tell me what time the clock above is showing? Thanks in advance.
8:21:10
